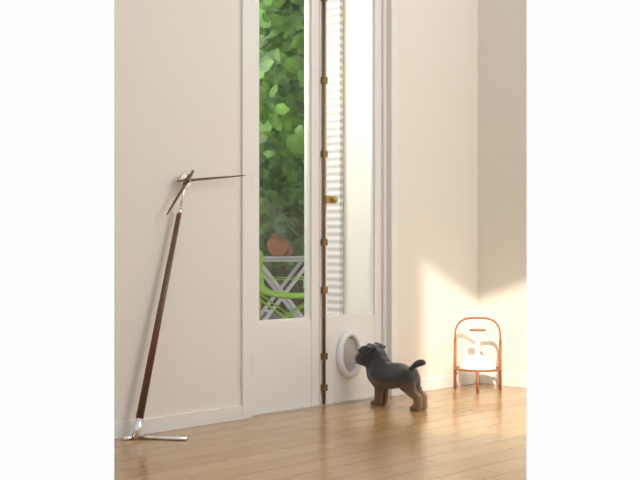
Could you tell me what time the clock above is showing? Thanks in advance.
7:14
